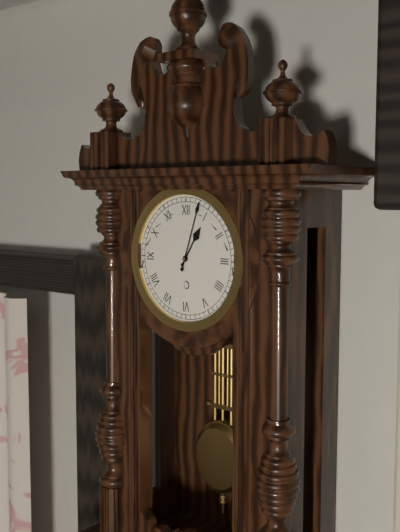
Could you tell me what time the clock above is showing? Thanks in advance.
1:03
